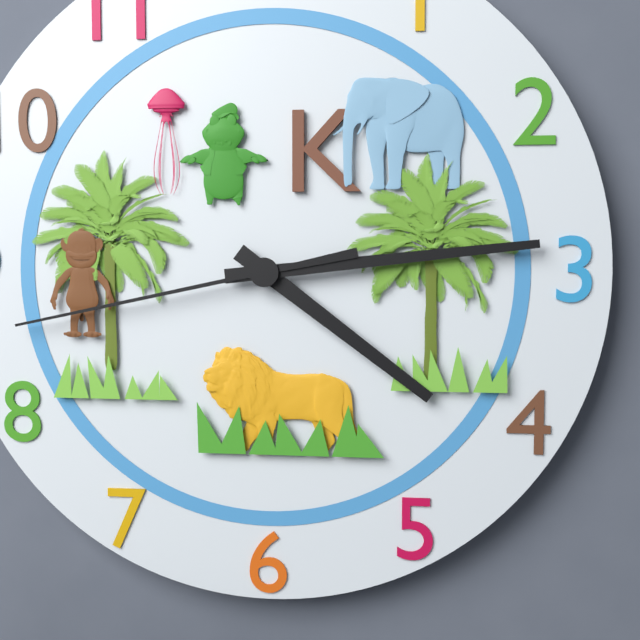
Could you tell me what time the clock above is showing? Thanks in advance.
4:14:43
